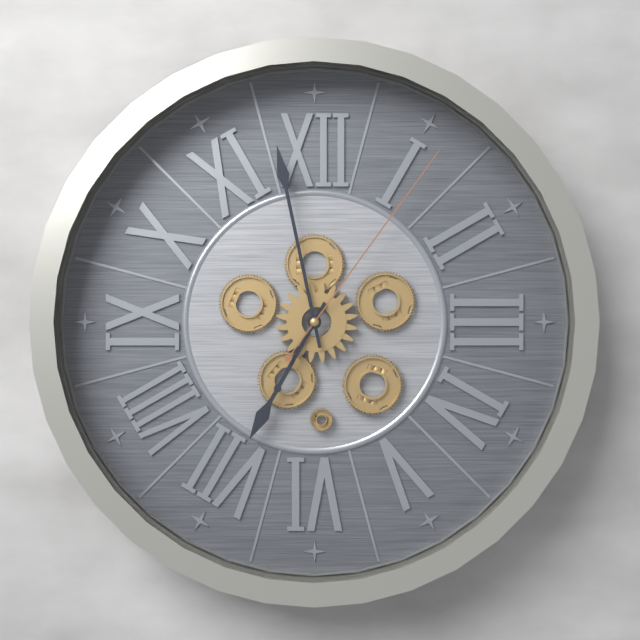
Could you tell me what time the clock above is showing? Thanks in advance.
6:58:06
